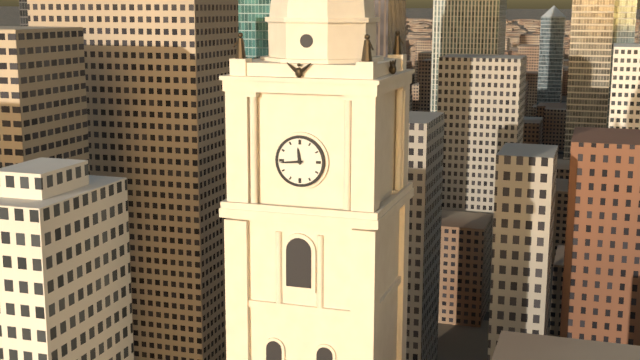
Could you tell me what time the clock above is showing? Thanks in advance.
11:44
